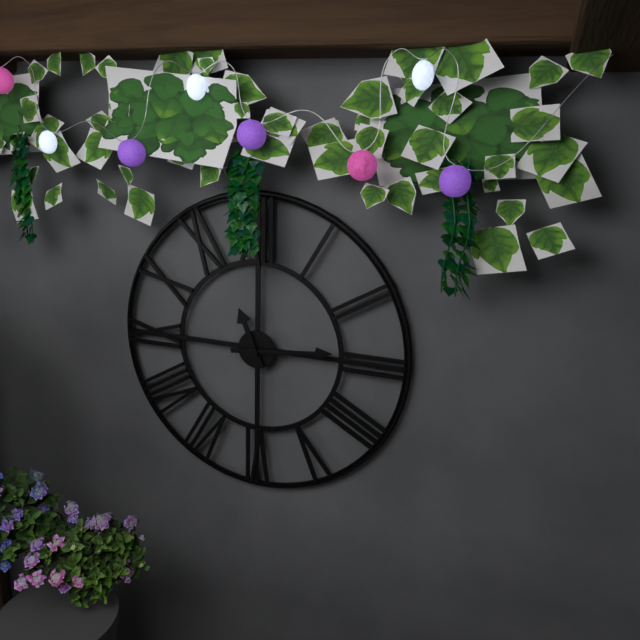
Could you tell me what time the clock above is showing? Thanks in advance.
11:14
